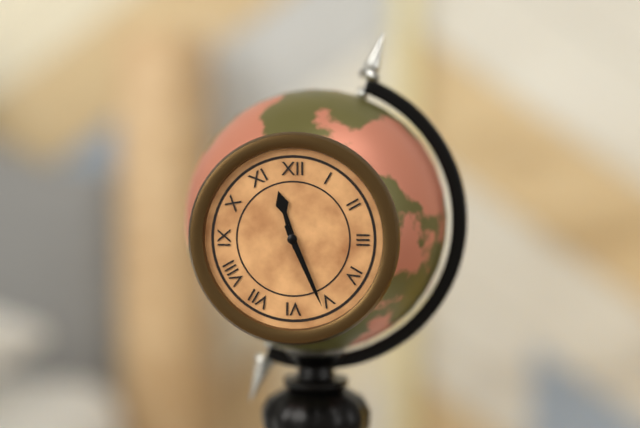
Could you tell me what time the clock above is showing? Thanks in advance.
11:26
